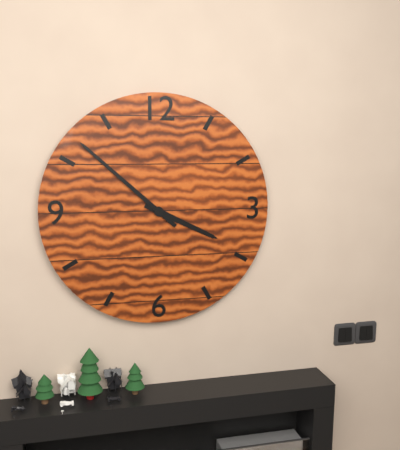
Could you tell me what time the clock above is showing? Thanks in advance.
3:52
